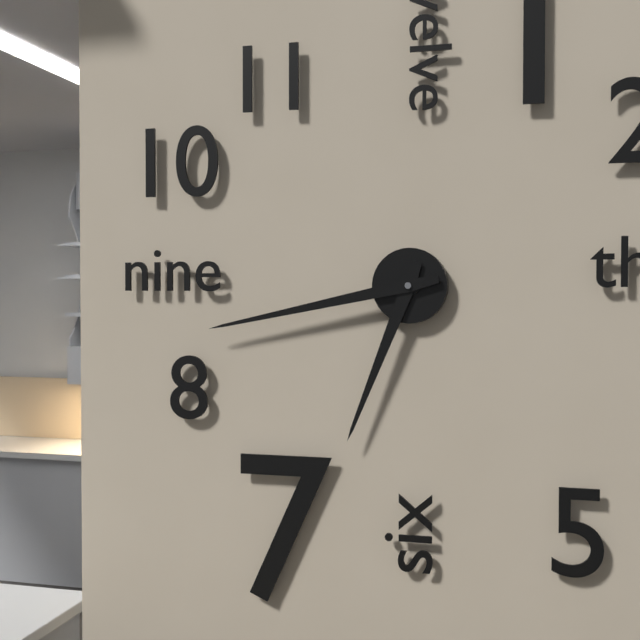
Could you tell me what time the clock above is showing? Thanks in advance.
6:43
